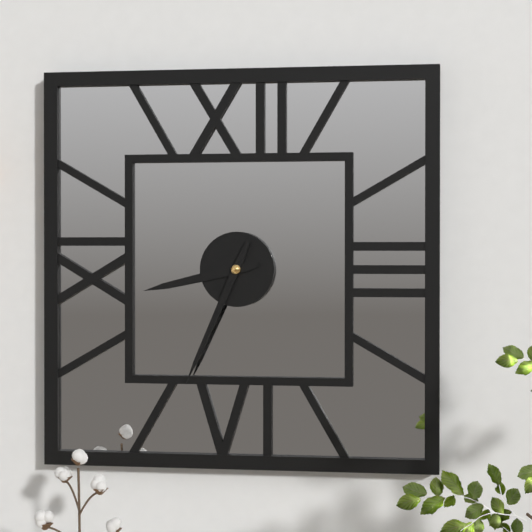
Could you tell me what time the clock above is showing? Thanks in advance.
8:34
